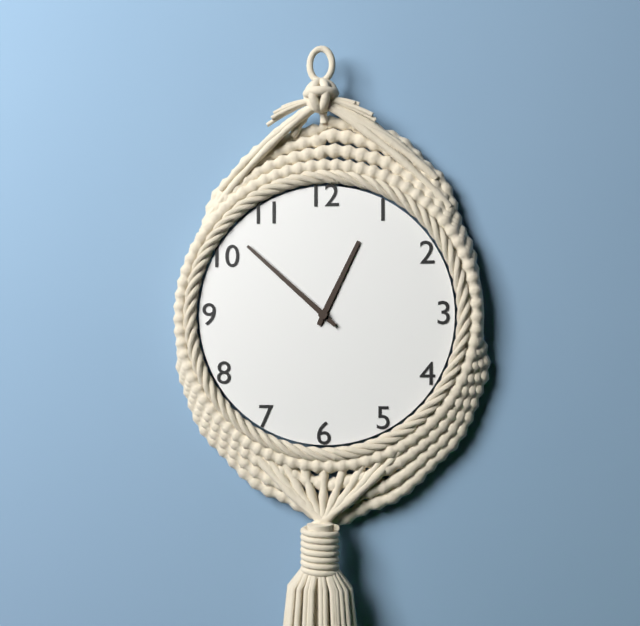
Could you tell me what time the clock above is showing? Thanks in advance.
12:52
